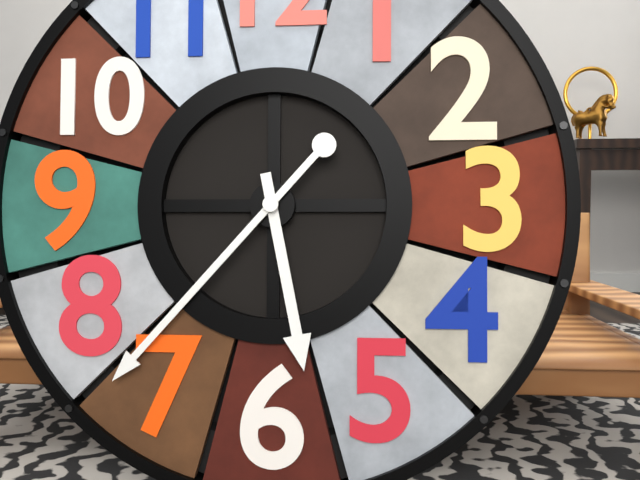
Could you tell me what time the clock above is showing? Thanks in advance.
5:37
